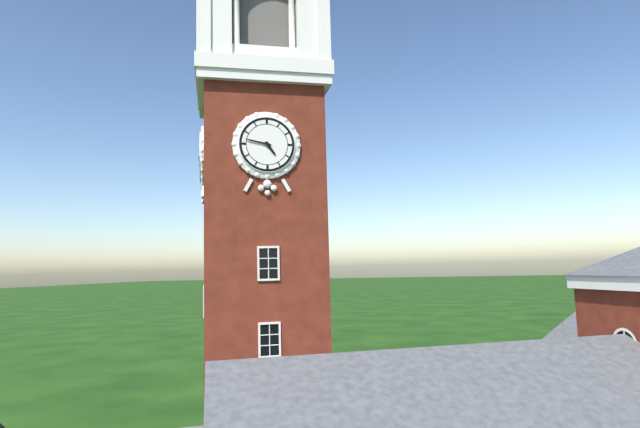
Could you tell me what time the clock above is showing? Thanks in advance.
4:47
